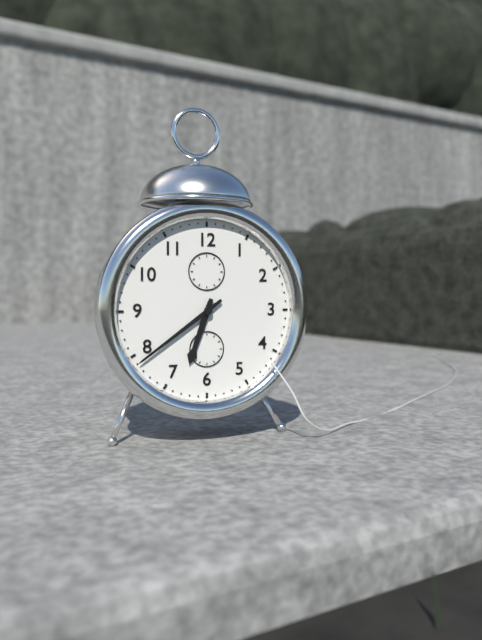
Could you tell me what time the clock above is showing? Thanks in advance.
6:39
